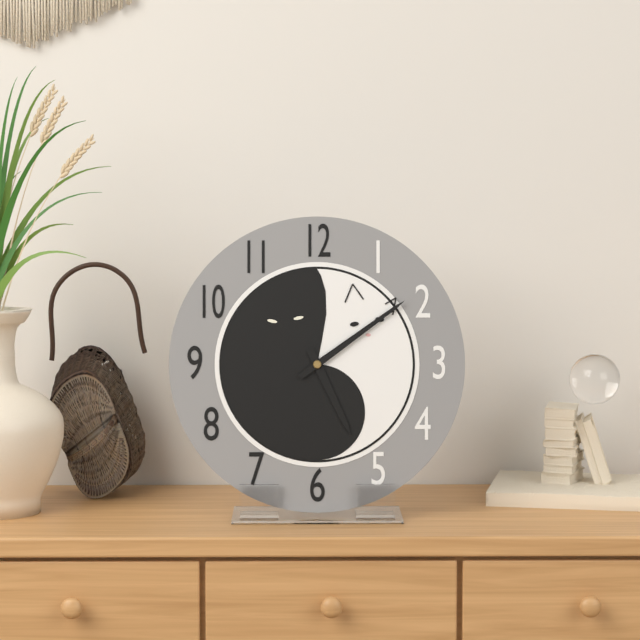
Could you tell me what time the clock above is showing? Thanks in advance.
5:09
